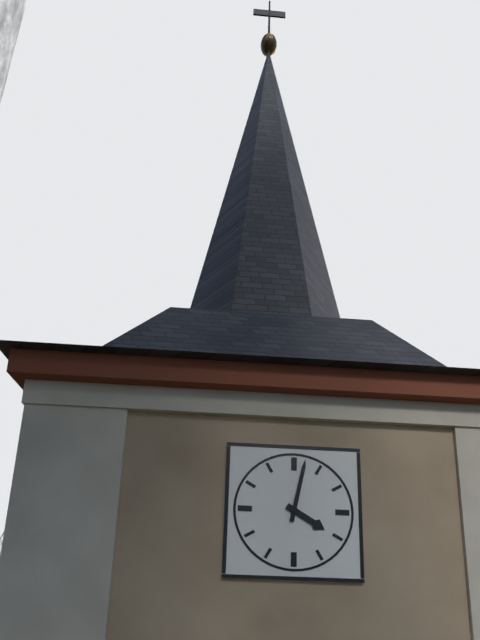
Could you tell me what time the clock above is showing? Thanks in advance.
4:02
